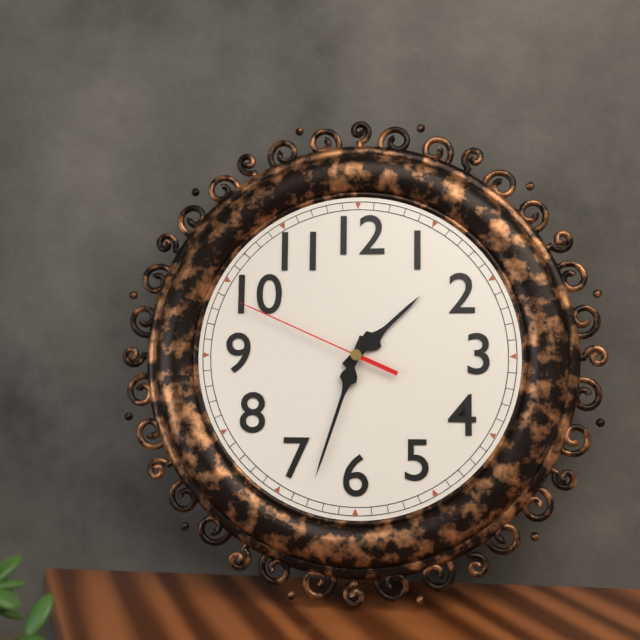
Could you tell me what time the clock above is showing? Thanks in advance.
1:33:49
